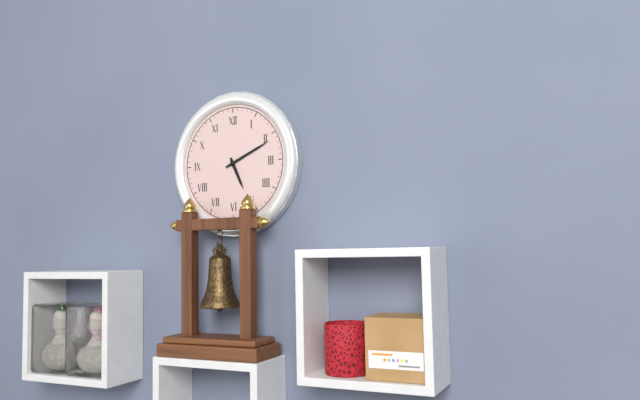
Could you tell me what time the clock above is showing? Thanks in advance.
5:11
